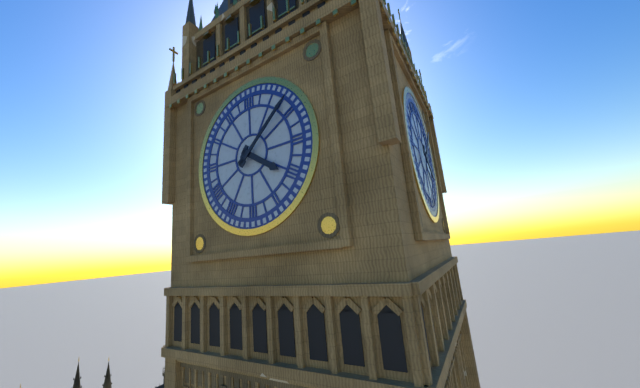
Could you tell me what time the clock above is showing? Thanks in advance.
4:08
